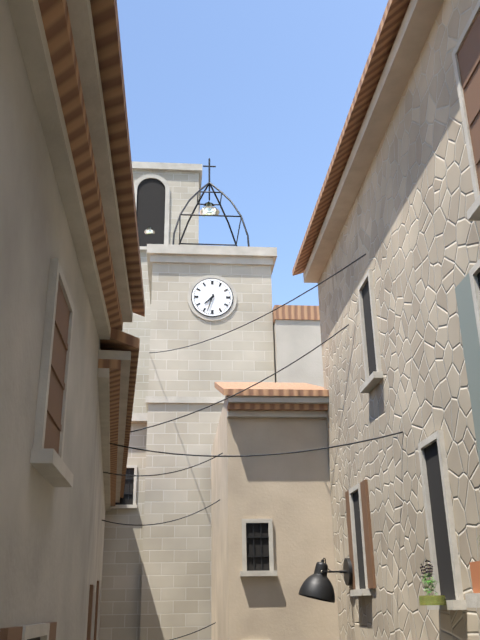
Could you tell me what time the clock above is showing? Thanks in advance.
7:33
